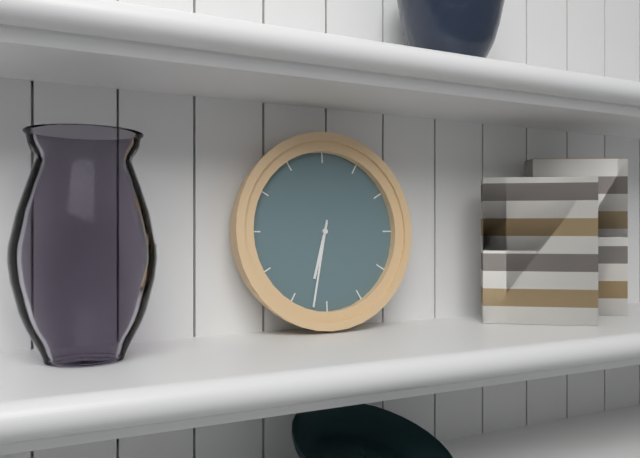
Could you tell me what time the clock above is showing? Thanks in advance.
6:32
